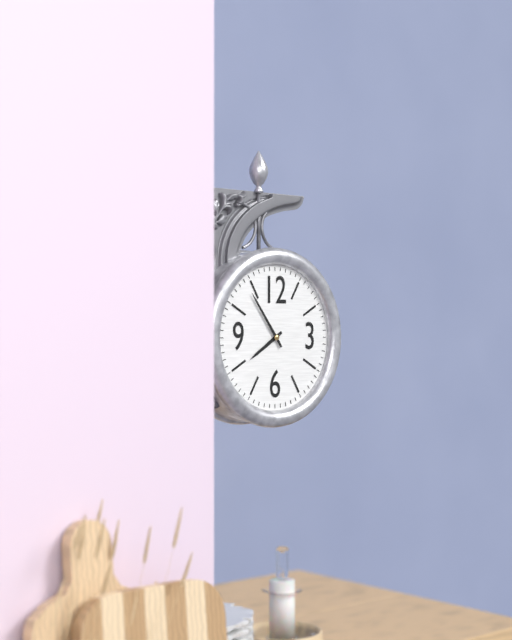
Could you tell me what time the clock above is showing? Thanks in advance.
7:54
